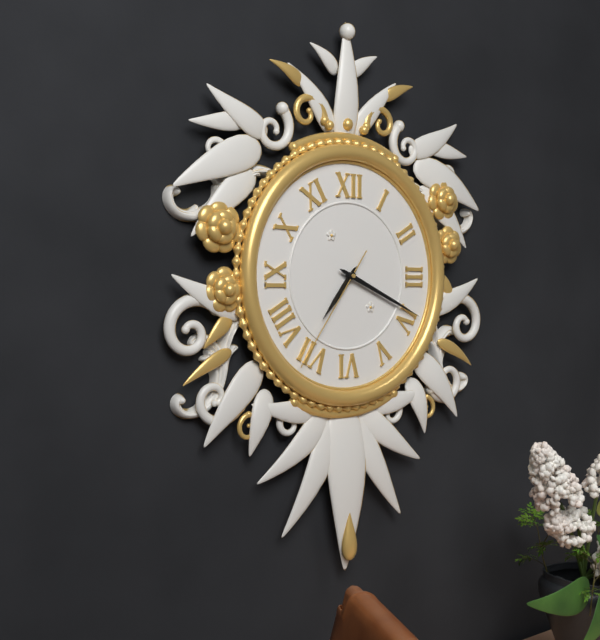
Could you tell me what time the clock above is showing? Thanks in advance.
7:19:36
